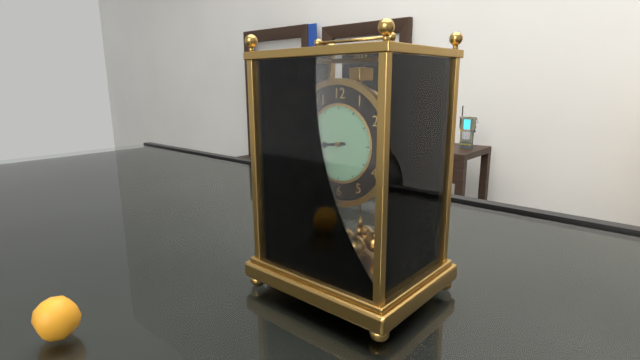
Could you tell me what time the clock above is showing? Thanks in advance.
8:44
